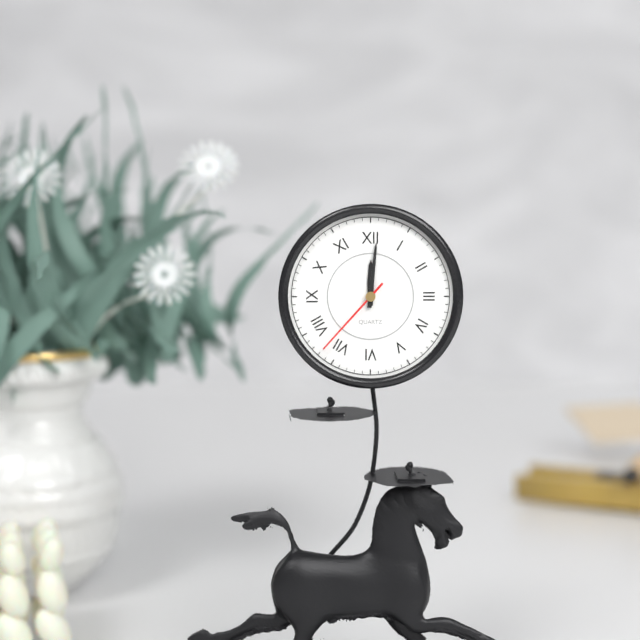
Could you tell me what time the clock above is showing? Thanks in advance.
12:01:37
